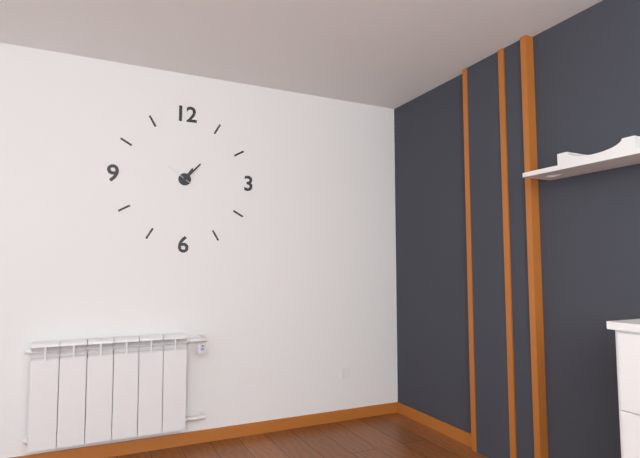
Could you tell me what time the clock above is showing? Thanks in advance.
1:07
